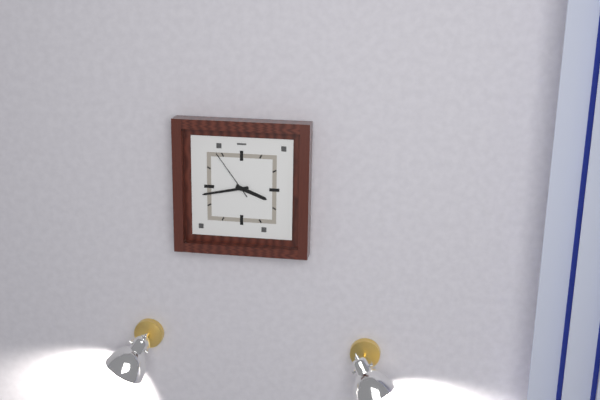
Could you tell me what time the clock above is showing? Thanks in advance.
3:43:54
